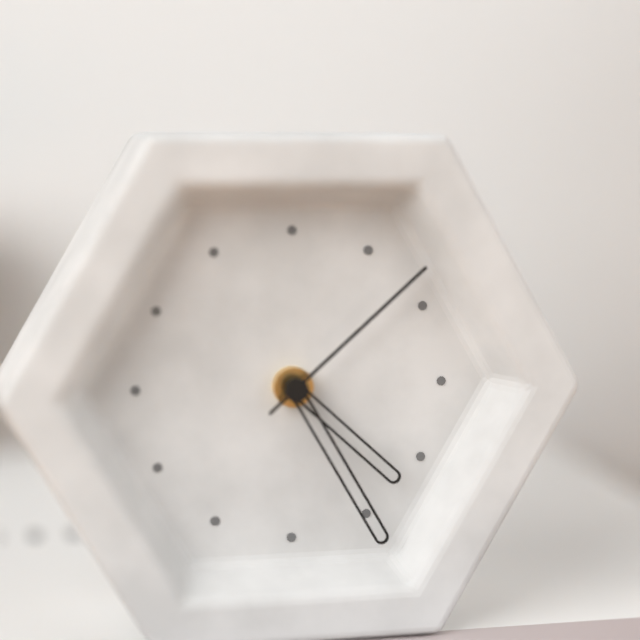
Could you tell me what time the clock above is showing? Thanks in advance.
4:25:08
